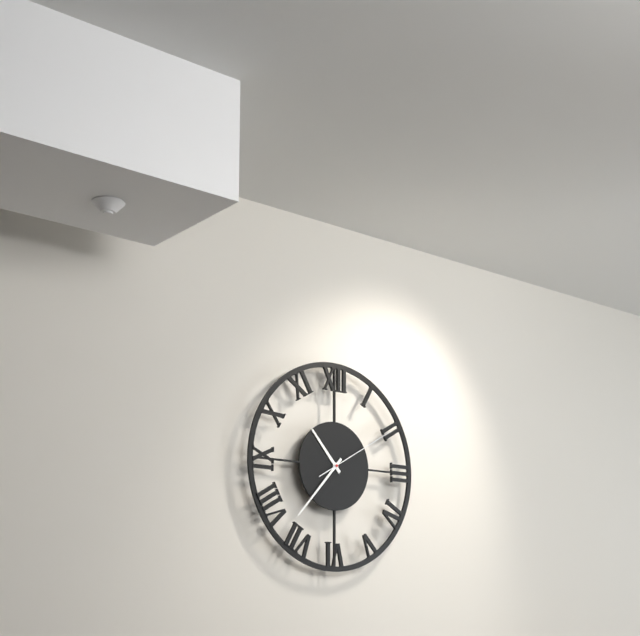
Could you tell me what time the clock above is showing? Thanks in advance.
10:37:10
